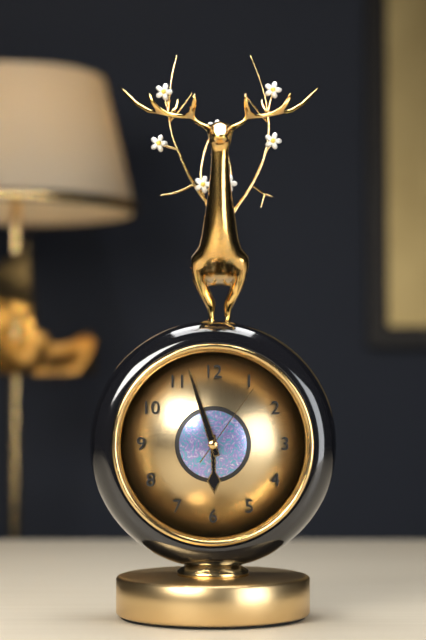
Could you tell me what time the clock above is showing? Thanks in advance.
5:57:06
